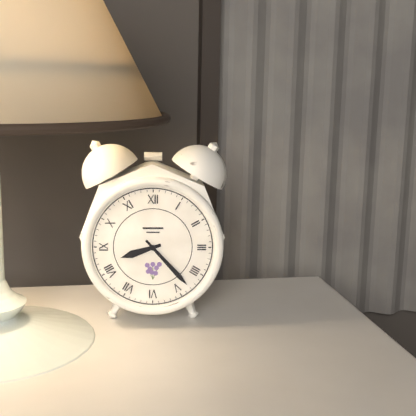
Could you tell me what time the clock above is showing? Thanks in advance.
8:23
